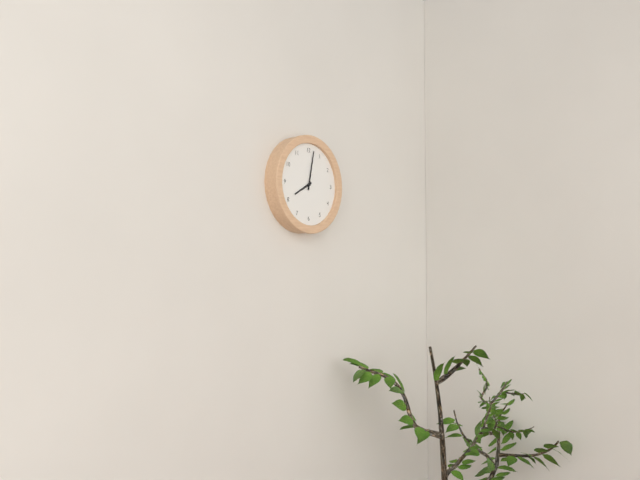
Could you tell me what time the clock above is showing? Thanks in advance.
8:02
